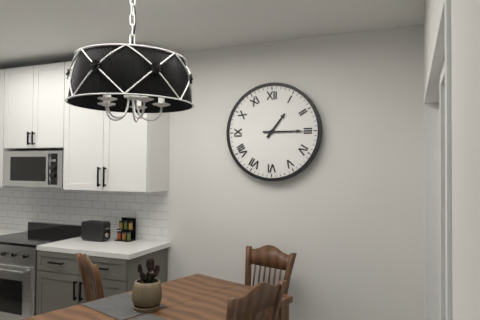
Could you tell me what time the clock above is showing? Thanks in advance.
1:15
